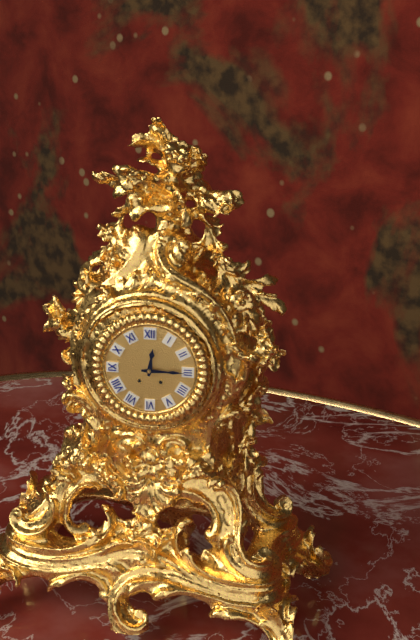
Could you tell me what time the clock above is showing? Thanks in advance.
12:15
